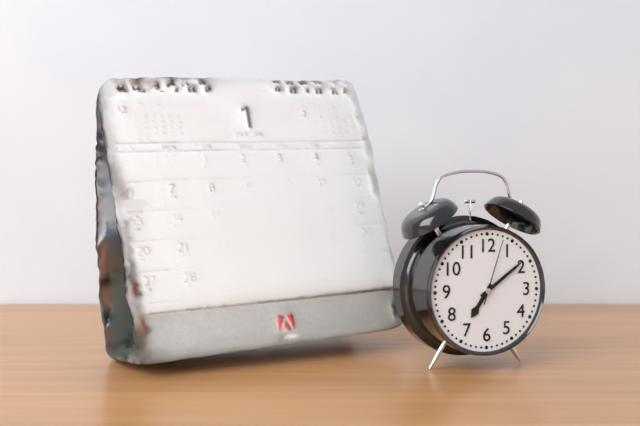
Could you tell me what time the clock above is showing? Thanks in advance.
7:09:03
